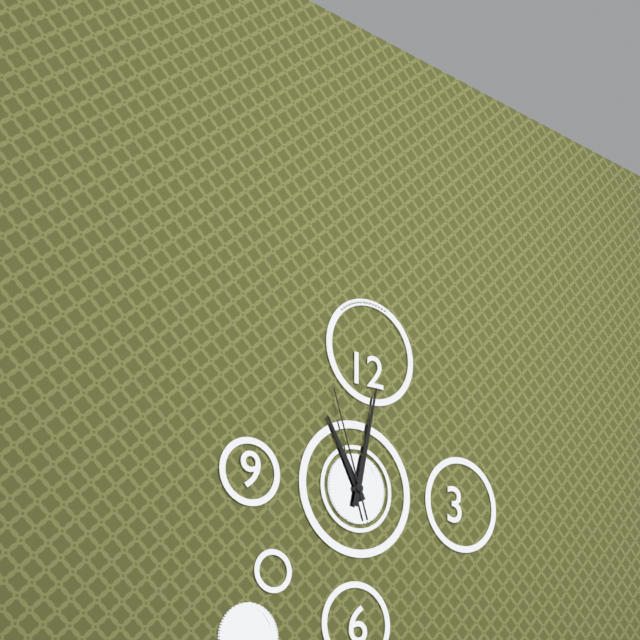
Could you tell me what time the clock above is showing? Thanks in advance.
11:02:57
